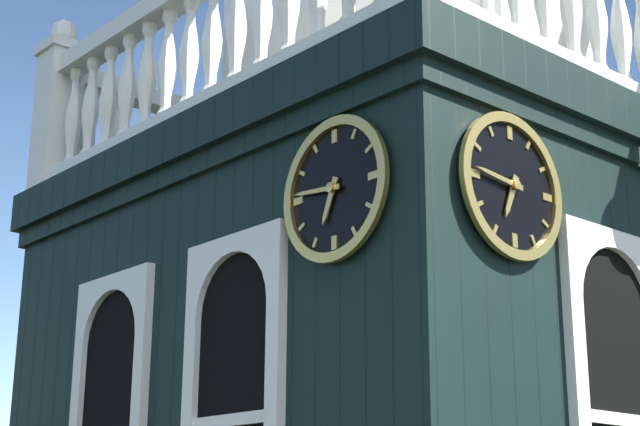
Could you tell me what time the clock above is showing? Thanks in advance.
6:46
